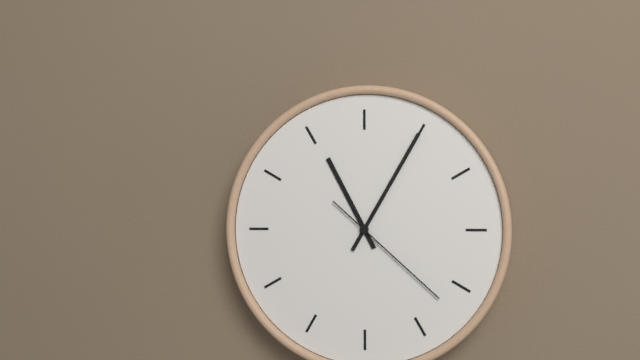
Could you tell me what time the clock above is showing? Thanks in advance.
11:05:22
